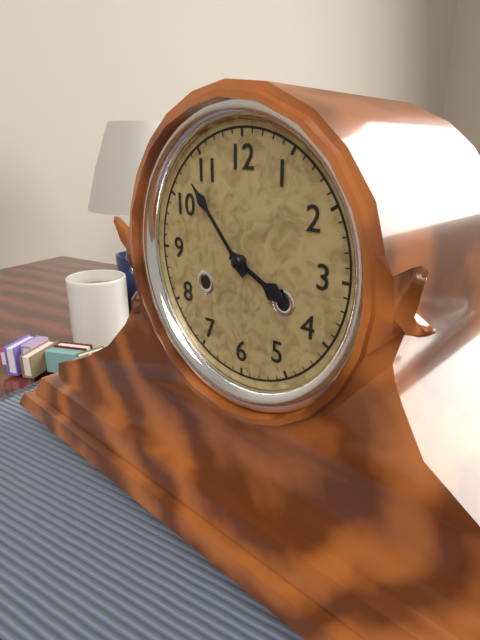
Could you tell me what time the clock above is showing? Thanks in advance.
3:53
